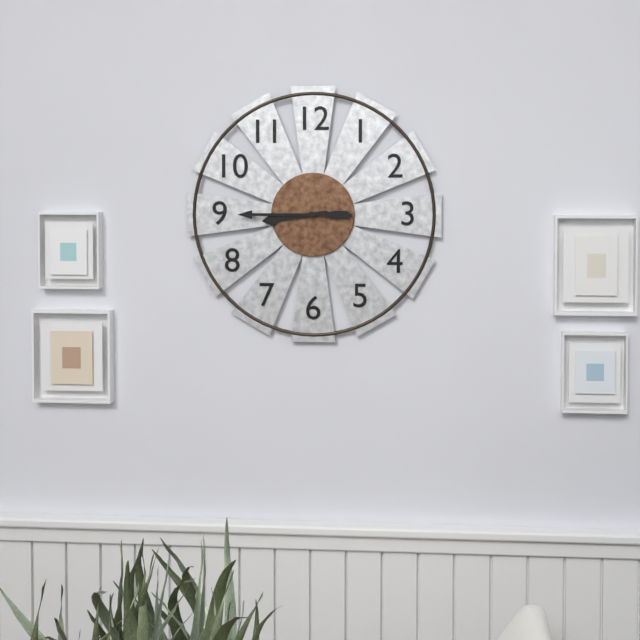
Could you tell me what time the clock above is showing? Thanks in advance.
8:45
